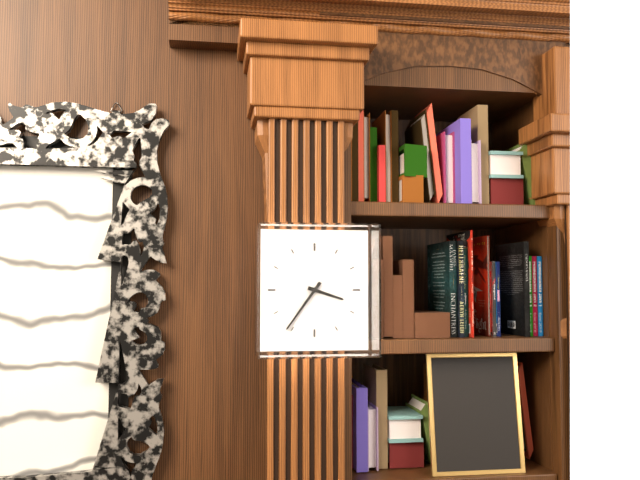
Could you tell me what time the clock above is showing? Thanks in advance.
3:36
